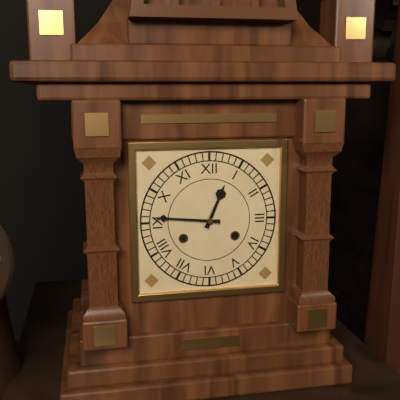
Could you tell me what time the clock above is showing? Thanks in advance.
12:46
